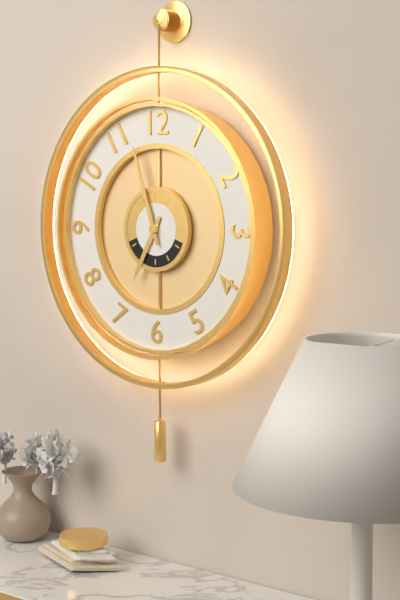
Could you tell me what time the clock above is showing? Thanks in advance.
6:57
